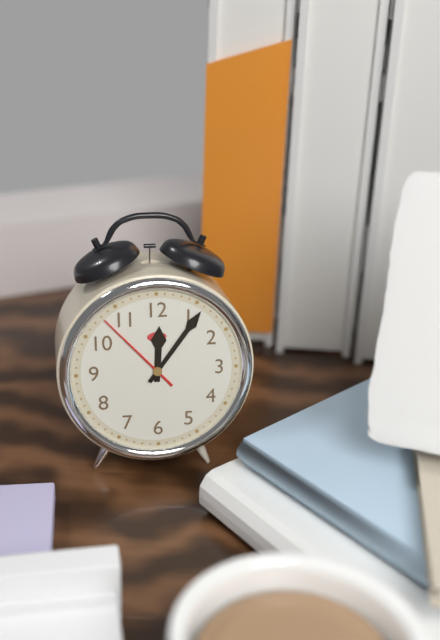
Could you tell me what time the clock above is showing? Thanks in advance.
12:06:53
